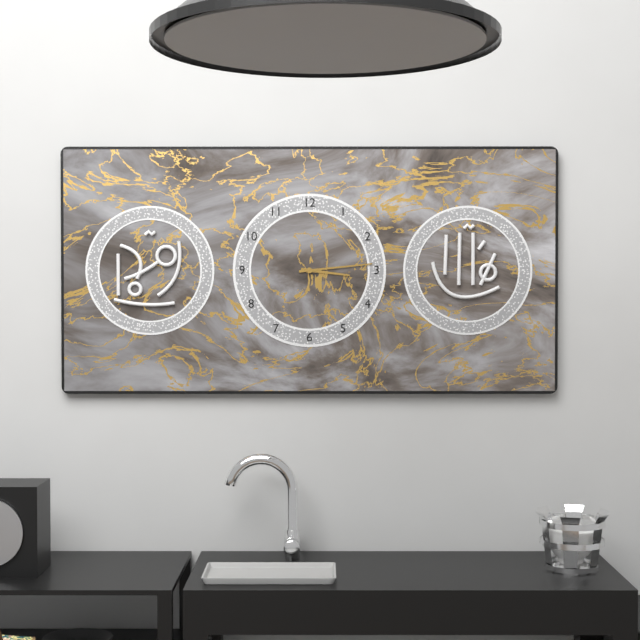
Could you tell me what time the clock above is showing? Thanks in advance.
3:14
